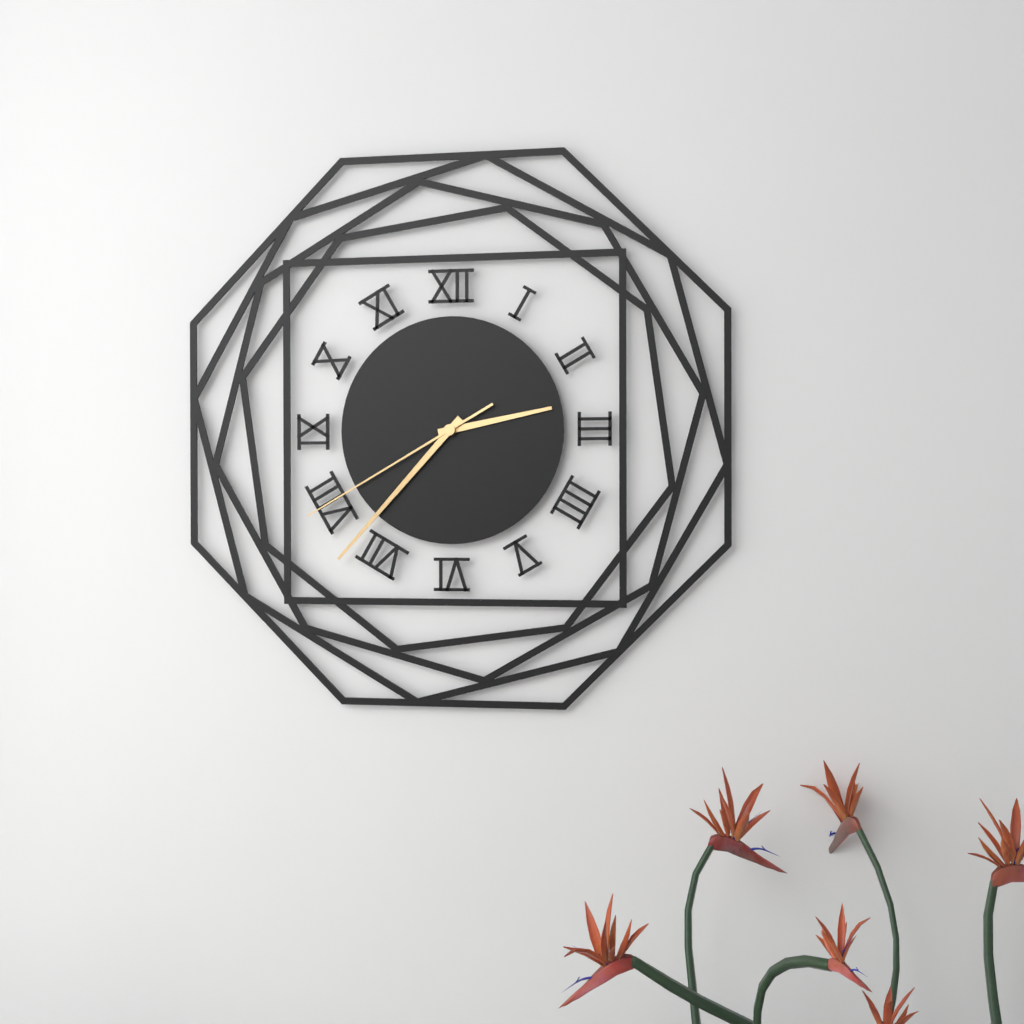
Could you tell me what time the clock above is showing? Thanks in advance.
2:37:40
